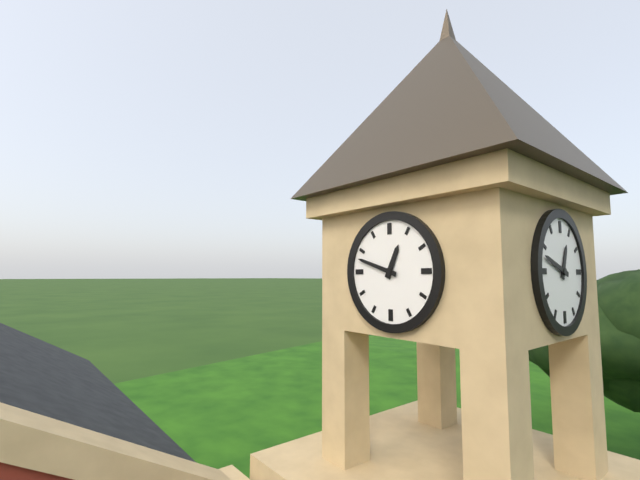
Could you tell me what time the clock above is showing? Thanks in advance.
12:48
